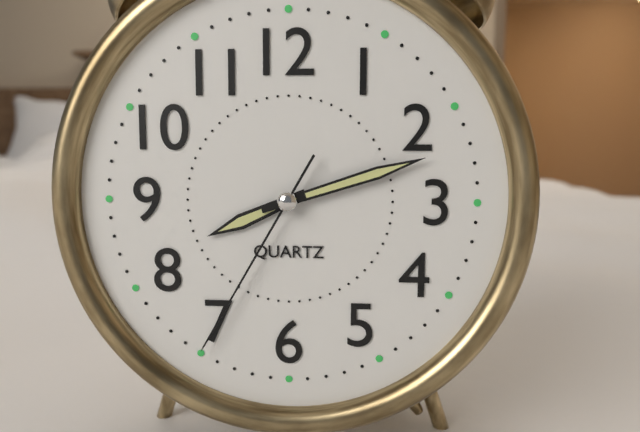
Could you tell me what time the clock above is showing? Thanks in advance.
8:12:35
